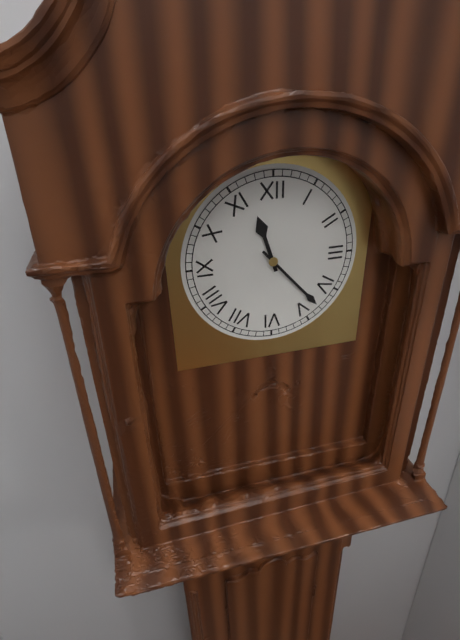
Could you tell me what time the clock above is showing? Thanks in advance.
11:23
